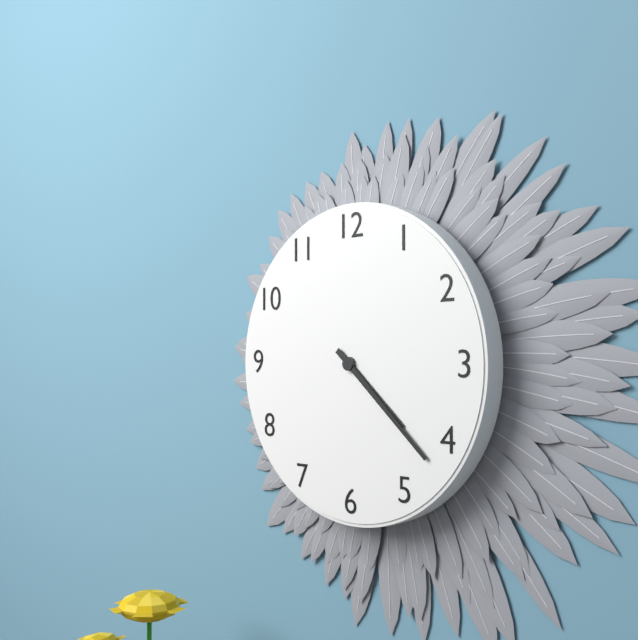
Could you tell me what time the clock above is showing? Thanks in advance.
4:22
